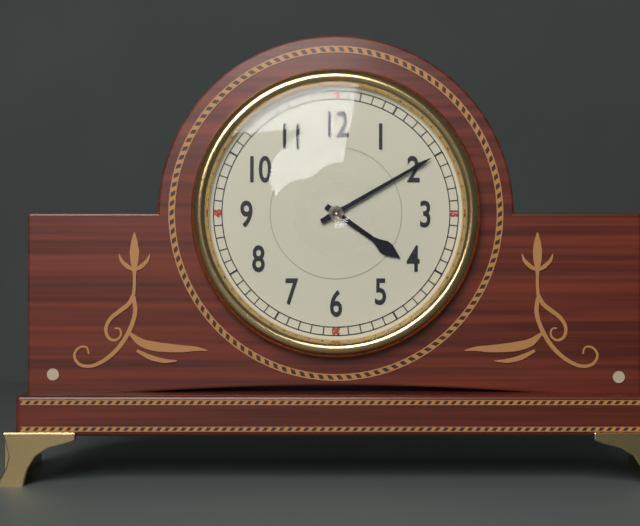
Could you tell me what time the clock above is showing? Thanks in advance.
4:10
